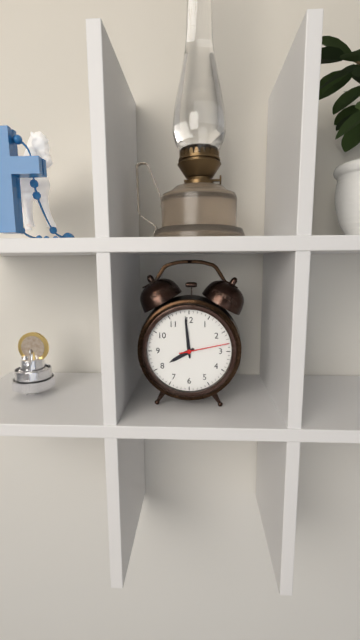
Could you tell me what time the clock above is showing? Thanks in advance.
7:59:13
